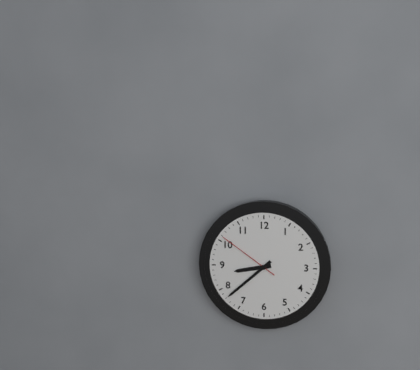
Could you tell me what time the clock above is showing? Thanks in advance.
8:38:51
